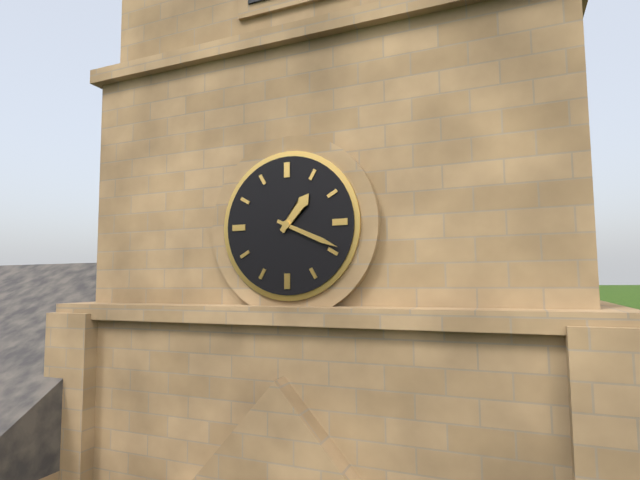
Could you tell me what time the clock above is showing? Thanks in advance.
1:19
